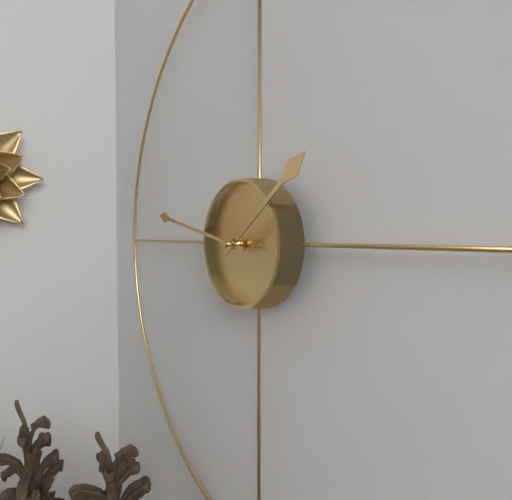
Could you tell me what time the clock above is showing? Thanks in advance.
1:47
